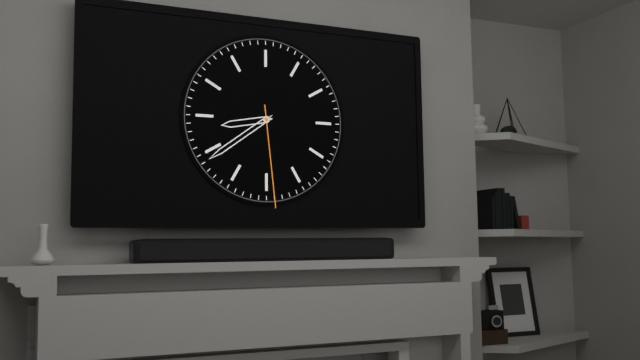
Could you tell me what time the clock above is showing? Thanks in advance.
8:39:29
